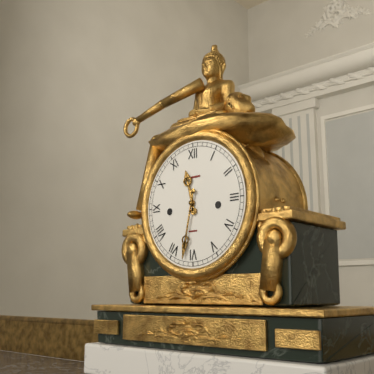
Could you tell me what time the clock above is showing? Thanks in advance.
11:32
